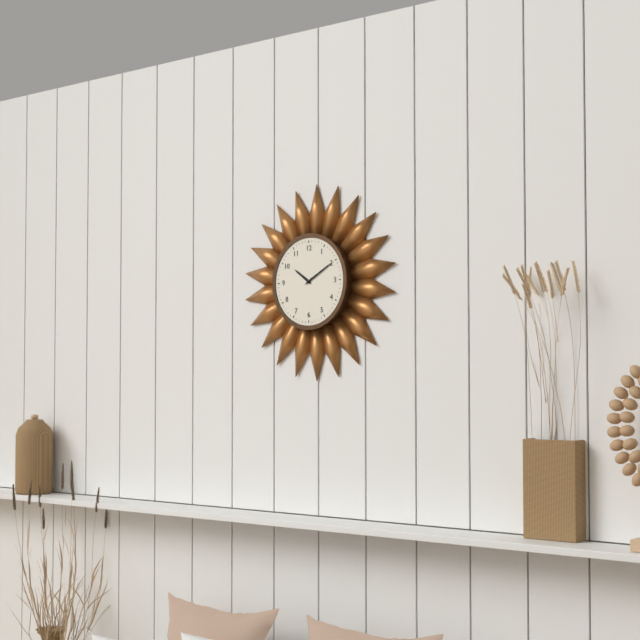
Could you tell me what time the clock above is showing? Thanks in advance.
10:10
